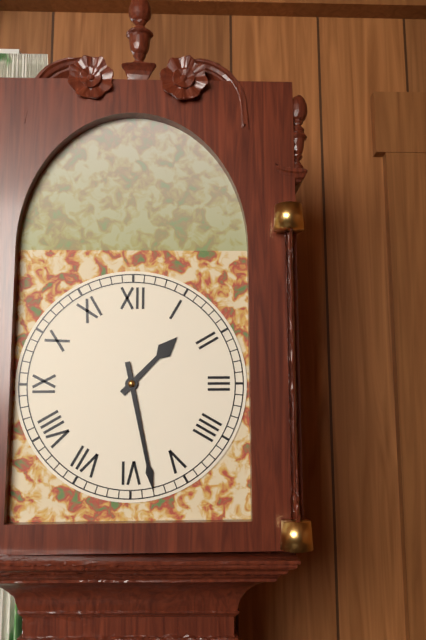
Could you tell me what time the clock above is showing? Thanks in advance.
1:28
